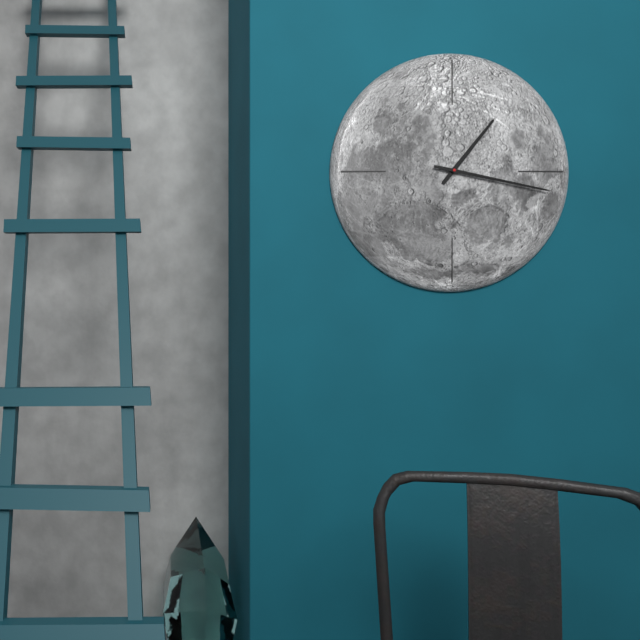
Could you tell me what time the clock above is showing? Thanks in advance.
1:17
